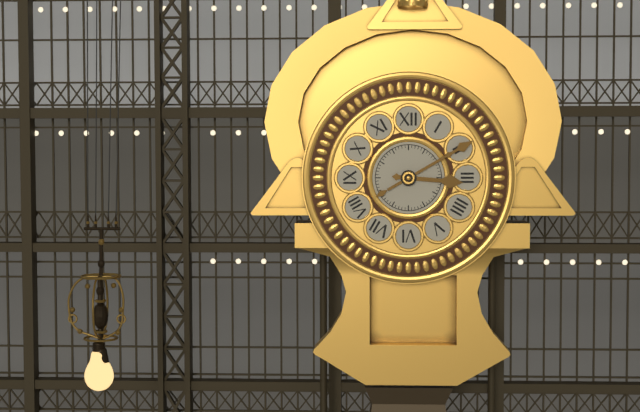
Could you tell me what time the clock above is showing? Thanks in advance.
3:10
